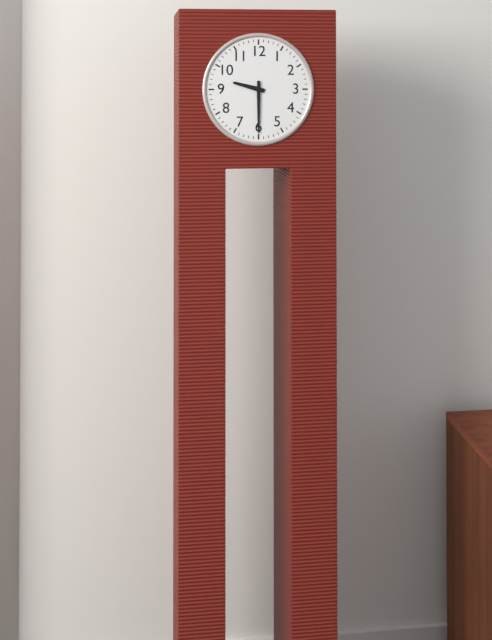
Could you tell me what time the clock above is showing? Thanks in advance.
9:30
